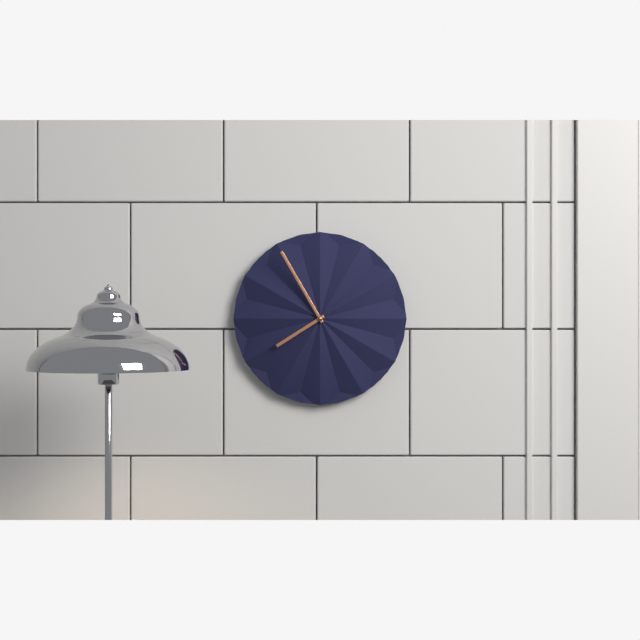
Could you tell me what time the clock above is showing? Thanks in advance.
7:55
